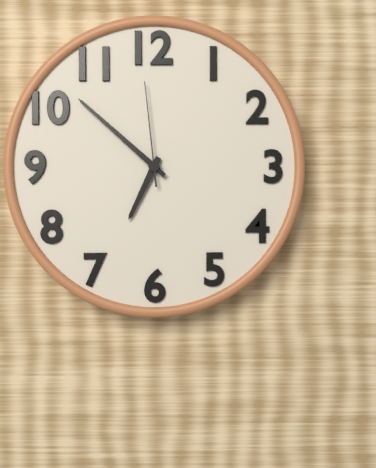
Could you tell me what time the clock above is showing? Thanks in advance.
6:52:59
